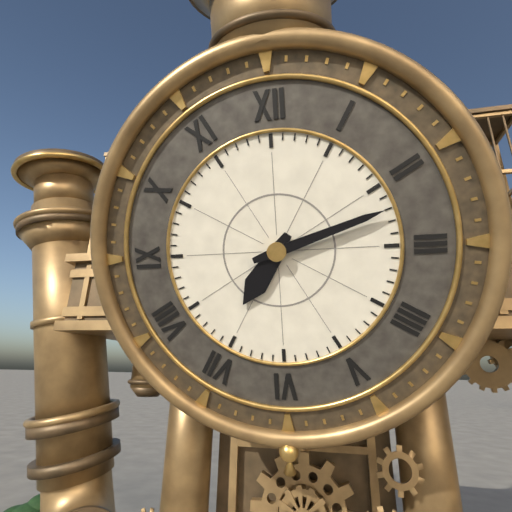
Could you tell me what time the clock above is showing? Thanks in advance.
7:12
